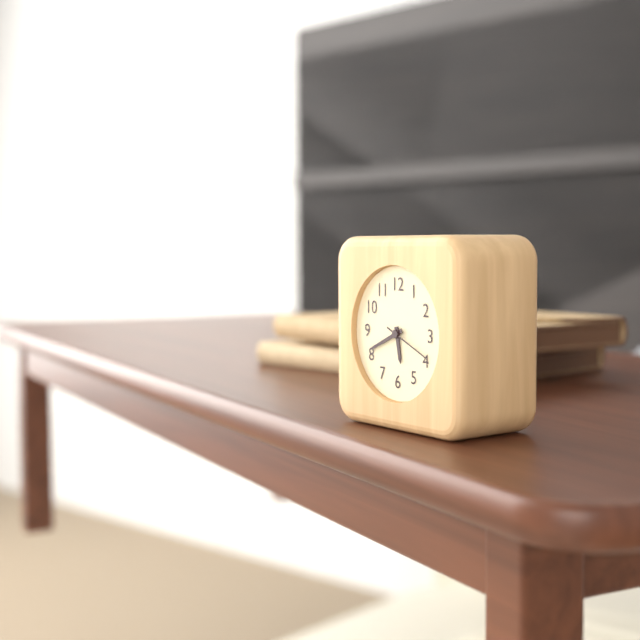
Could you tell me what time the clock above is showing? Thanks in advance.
5:41
